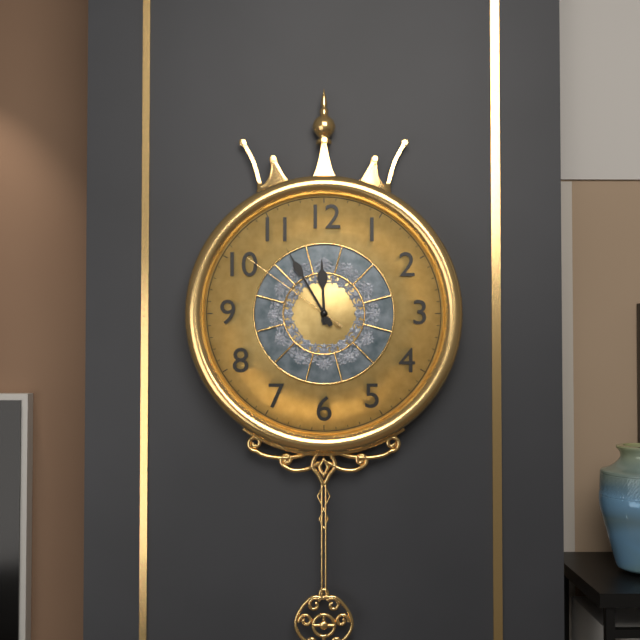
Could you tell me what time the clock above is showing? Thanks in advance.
11:55:51
